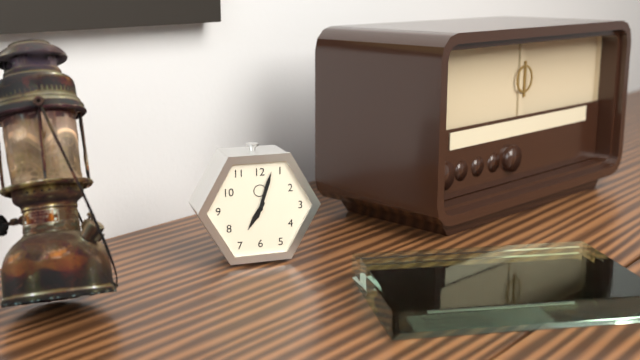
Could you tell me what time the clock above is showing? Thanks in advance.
7:03
